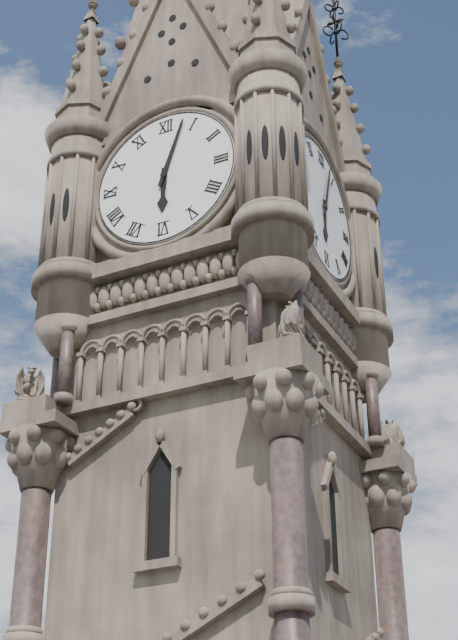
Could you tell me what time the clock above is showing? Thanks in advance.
6:03
